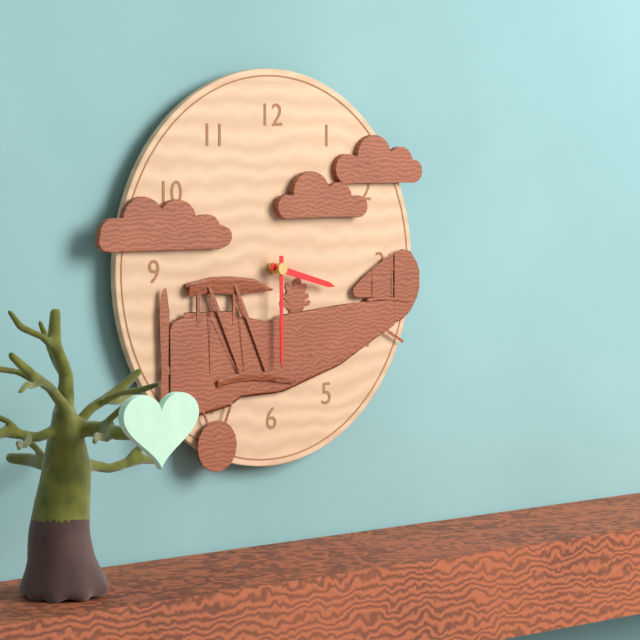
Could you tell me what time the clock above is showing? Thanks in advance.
3:30
